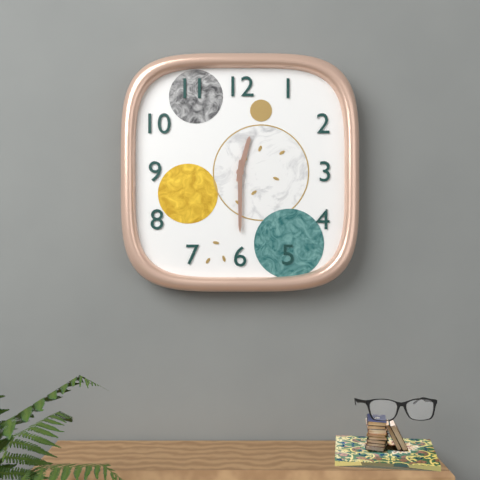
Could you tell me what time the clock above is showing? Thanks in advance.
12:30
